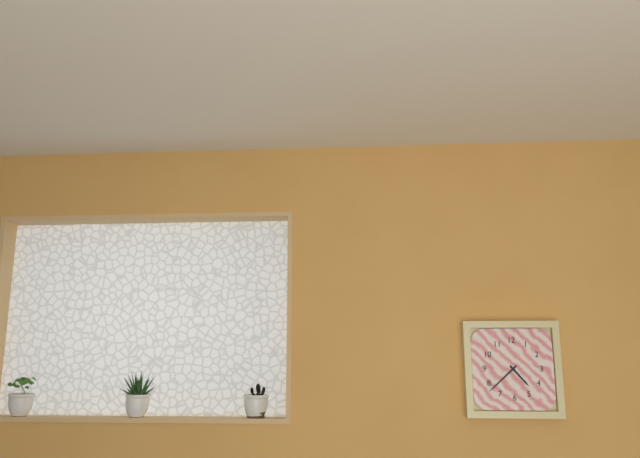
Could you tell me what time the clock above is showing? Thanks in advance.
4:38
